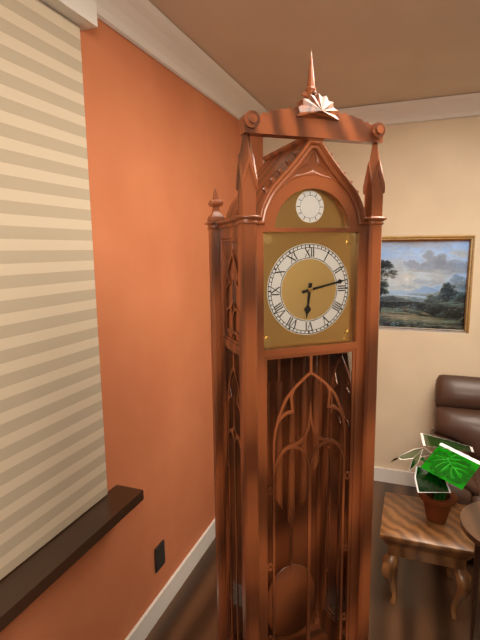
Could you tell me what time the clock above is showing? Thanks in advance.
6:13
